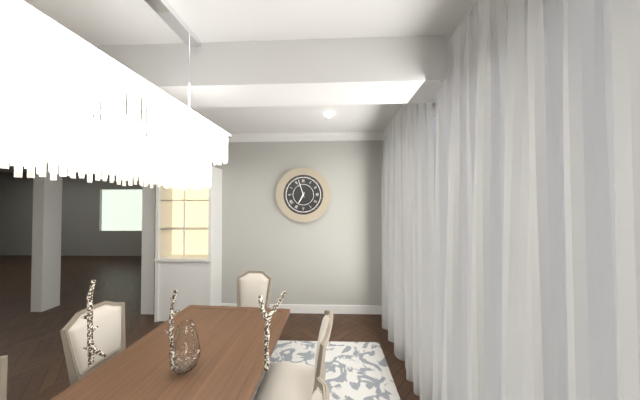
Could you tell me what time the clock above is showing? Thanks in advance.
6:57
